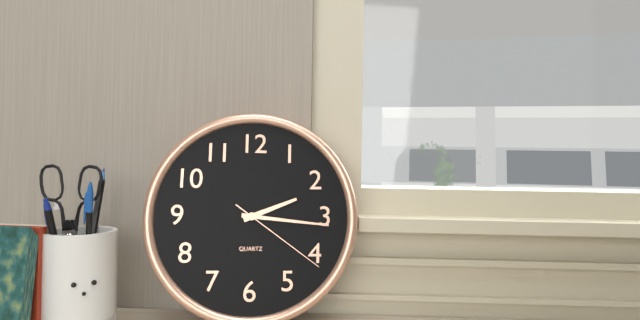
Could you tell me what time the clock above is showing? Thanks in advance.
2:16:21
